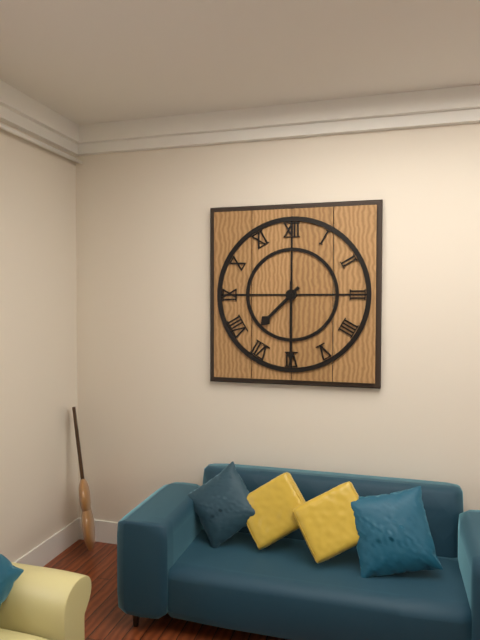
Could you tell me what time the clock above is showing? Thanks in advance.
7:30
